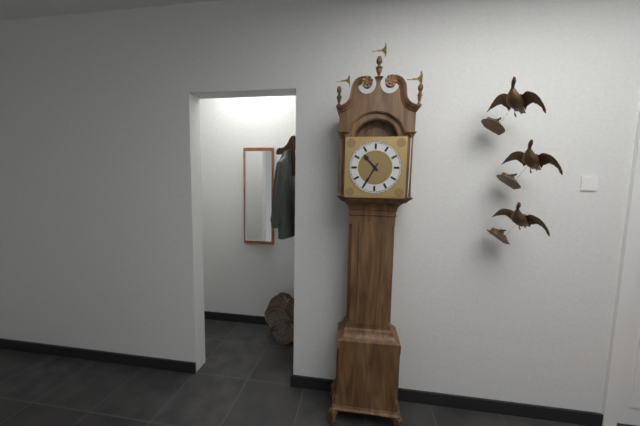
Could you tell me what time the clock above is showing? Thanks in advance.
10:35
